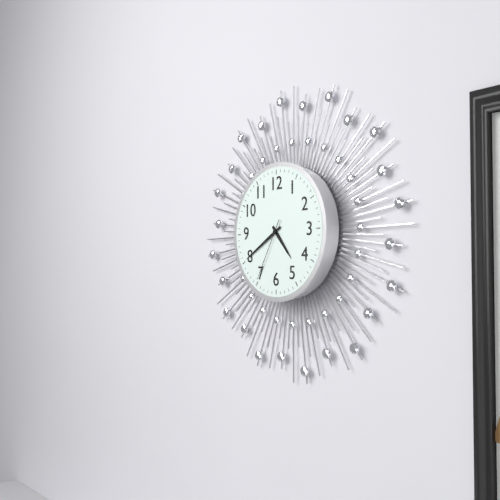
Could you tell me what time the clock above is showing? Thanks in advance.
4:40:35
